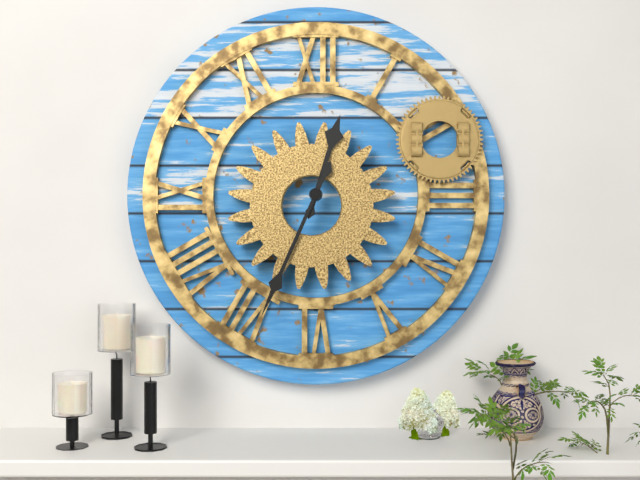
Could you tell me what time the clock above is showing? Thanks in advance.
12:34
